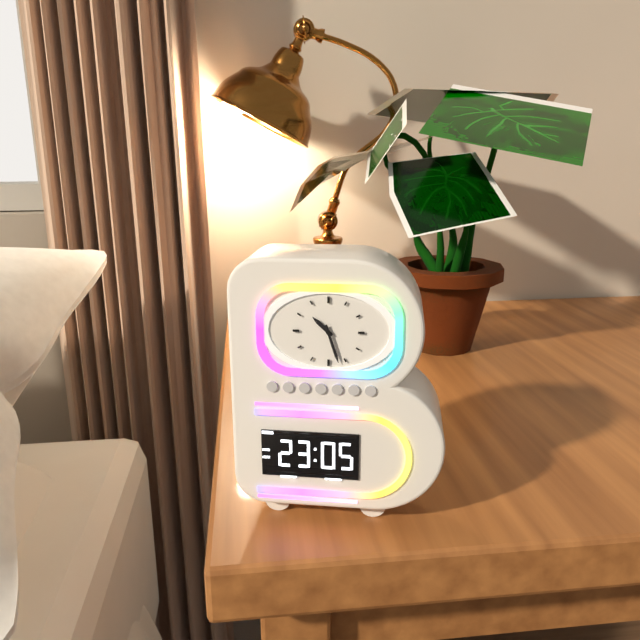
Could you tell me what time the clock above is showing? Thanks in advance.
10:27
